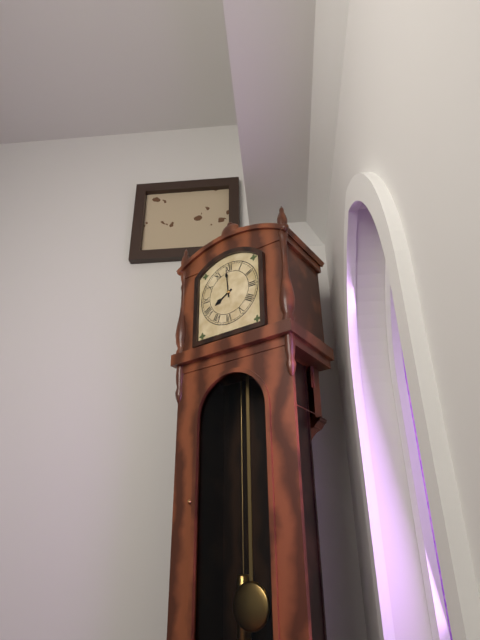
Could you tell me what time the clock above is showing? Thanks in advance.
7:59
